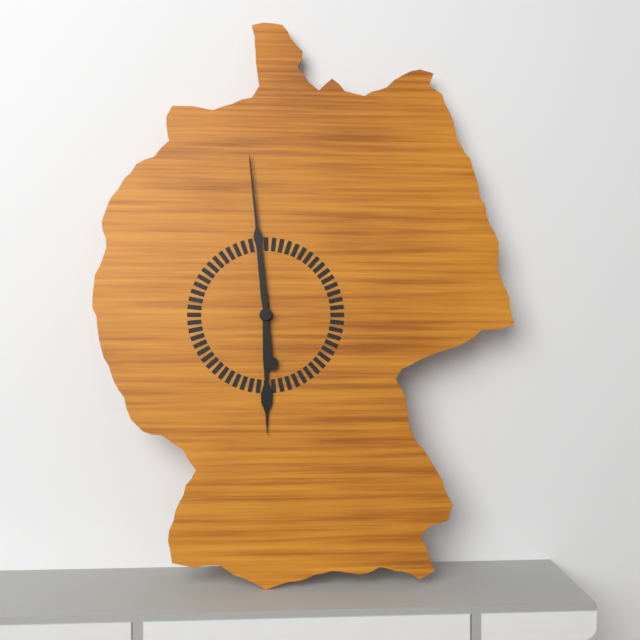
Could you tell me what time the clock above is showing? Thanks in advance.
5:59
